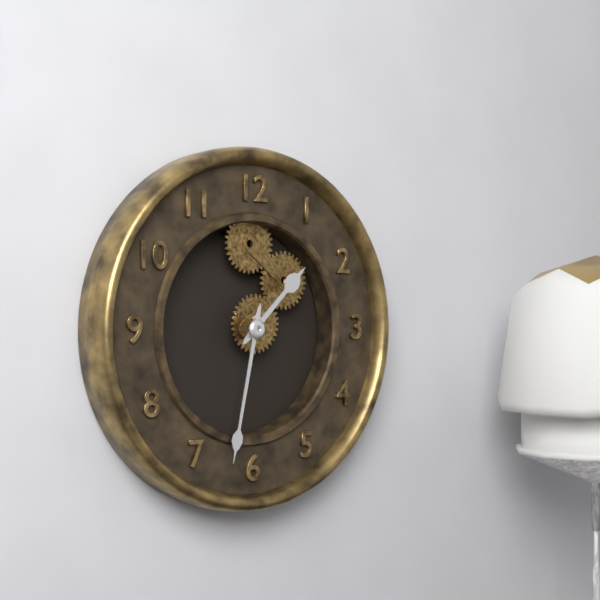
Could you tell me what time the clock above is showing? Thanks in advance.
1:32
